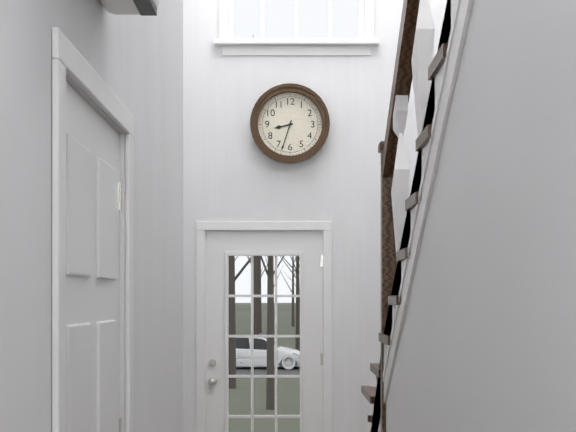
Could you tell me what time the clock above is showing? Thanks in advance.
8:33
